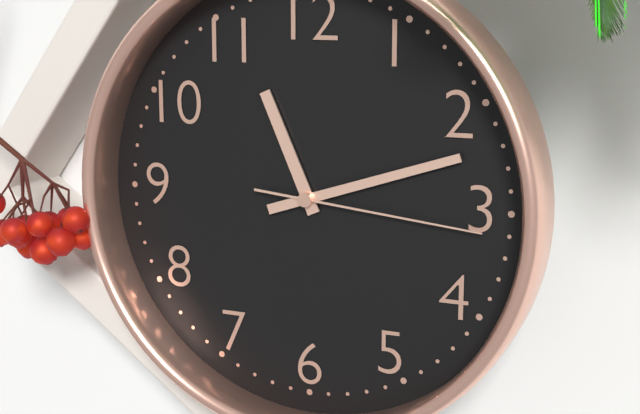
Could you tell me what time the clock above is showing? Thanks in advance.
11:12:16
